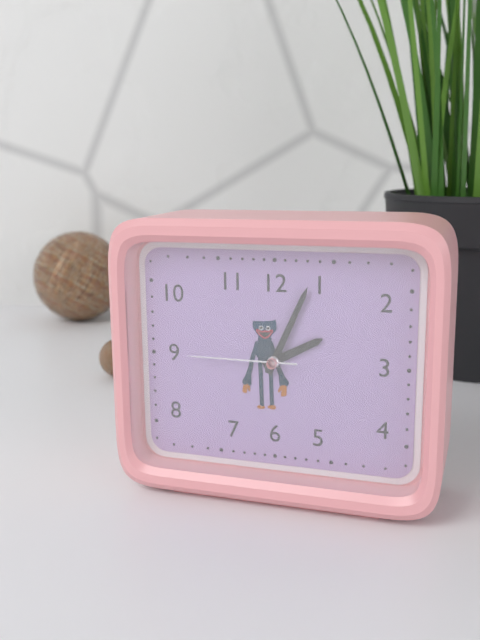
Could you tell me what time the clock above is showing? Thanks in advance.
2:04:45
